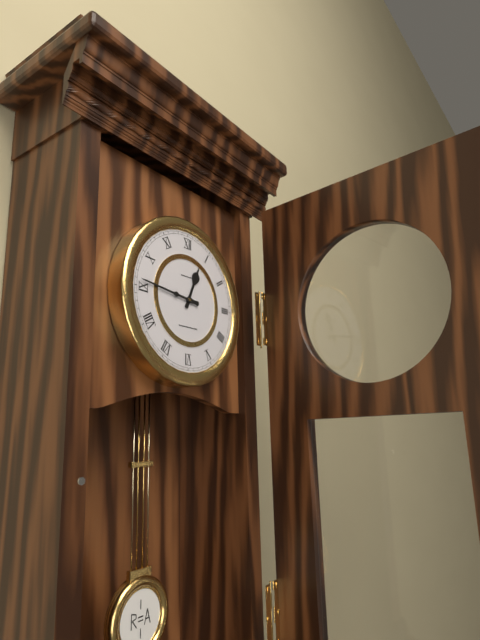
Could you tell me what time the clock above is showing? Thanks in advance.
12:46
